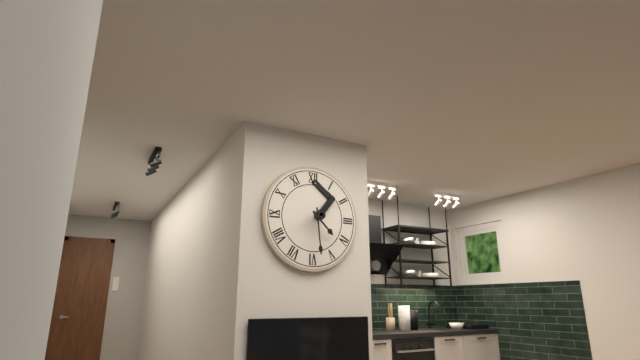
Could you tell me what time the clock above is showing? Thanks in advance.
4:29
